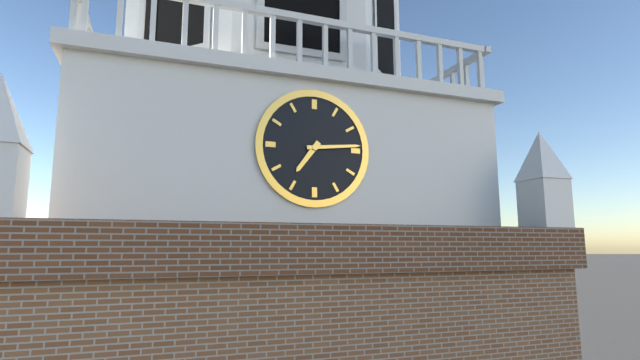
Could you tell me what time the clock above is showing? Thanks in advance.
7:14
